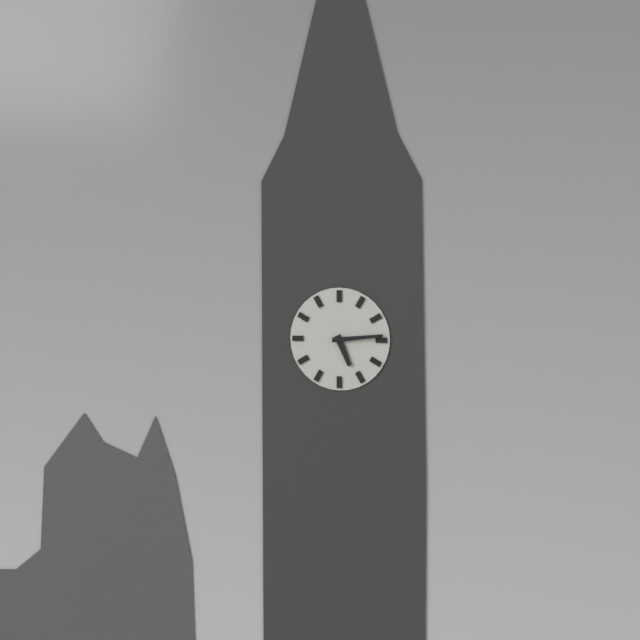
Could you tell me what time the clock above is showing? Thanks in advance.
5:14
